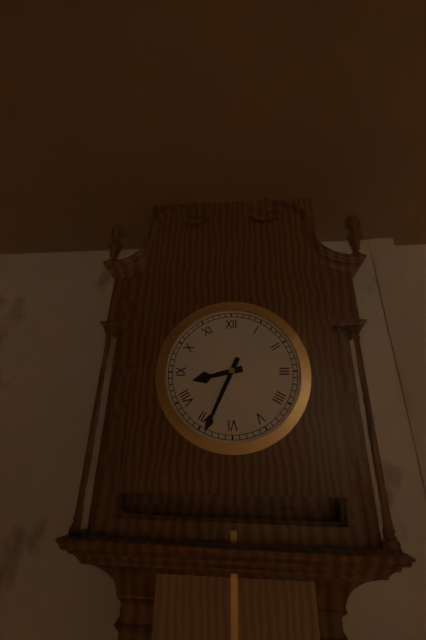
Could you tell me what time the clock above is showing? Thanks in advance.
8:34
